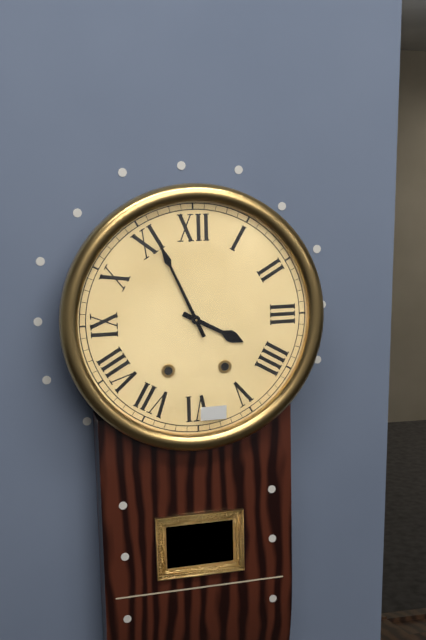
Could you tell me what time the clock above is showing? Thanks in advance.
3:56
